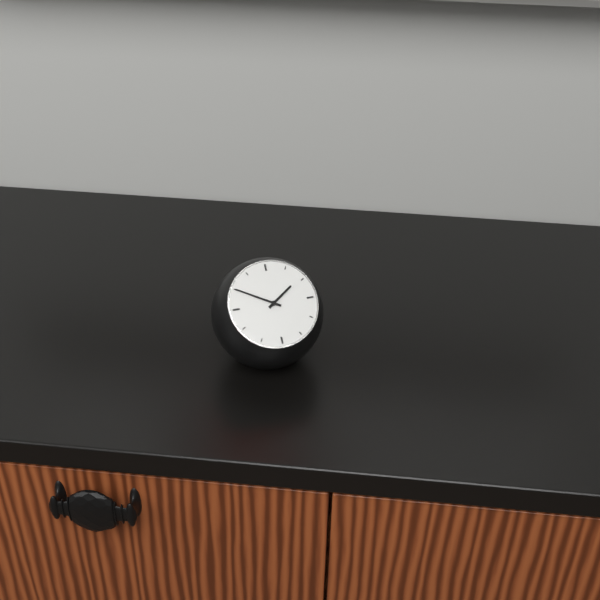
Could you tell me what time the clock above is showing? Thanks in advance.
1:50
